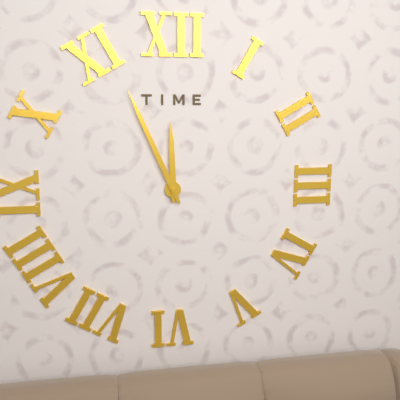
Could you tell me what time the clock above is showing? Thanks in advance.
11:56
